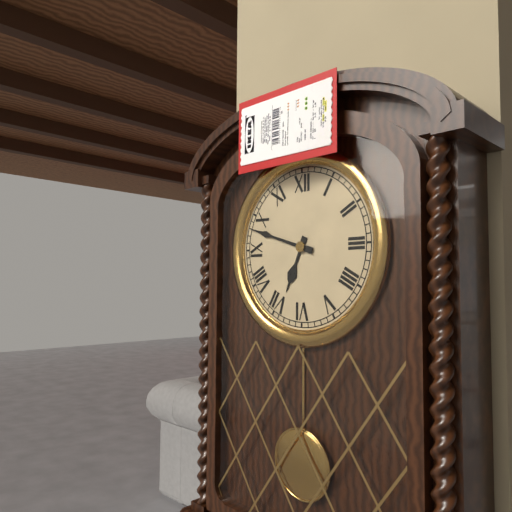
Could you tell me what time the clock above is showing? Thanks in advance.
6:48
